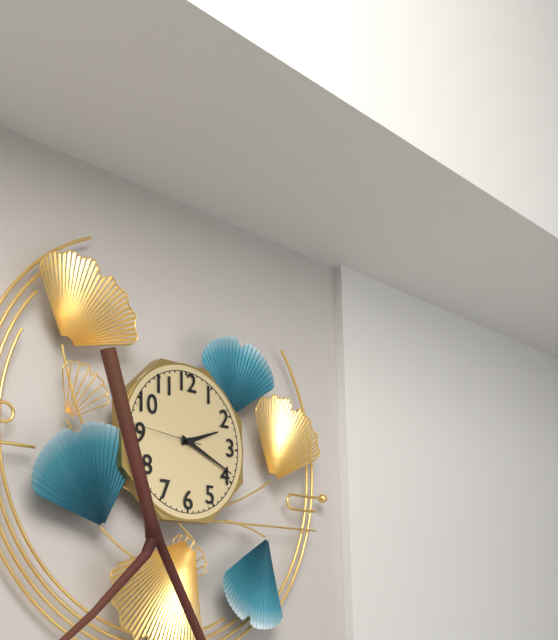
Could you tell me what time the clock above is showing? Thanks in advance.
2:19
